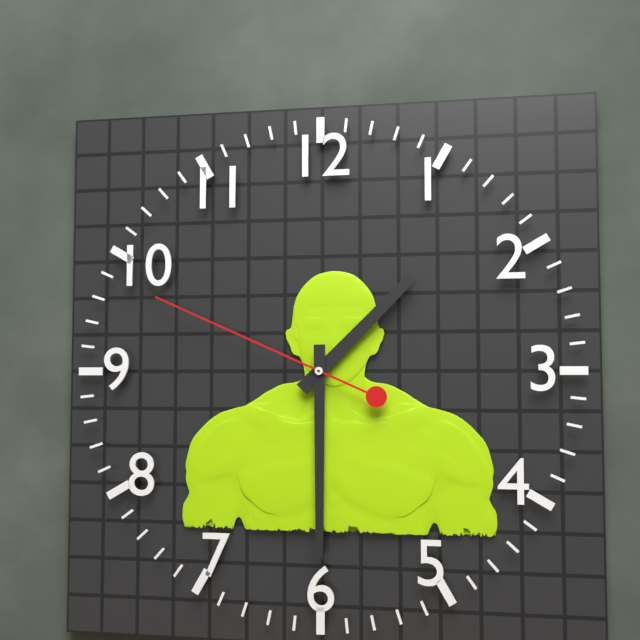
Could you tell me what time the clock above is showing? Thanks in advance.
1:30:49
